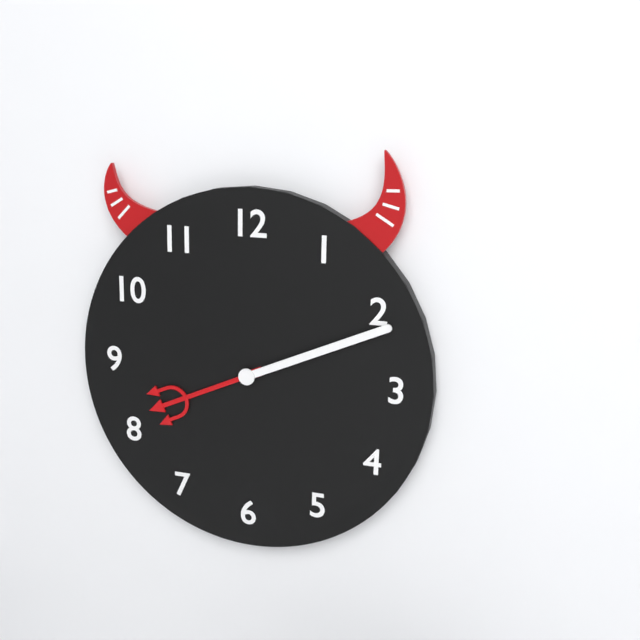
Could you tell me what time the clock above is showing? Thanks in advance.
8:11
